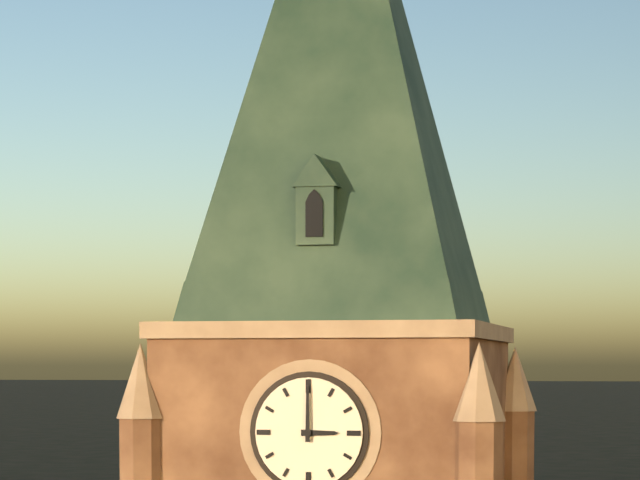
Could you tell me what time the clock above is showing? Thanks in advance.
3:00
